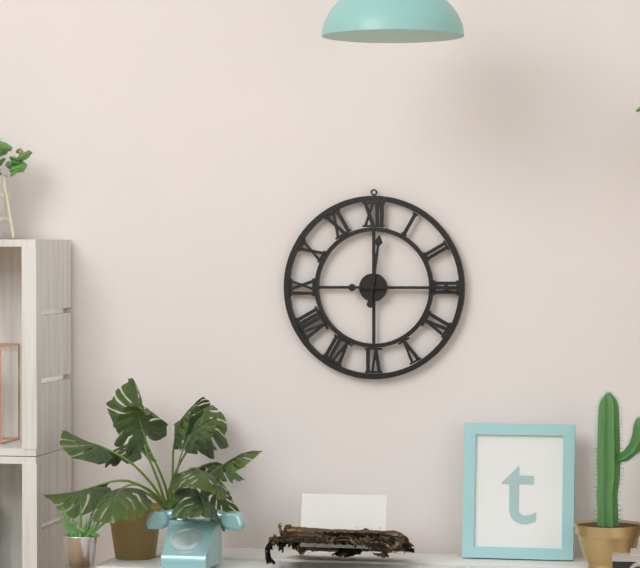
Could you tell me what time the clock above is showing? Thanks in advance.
12:15
